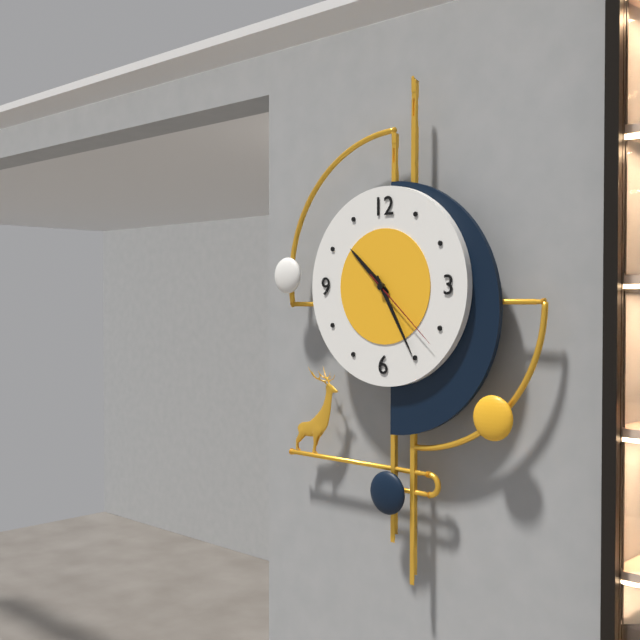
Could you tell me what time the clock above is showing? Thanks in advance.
10:25:22
